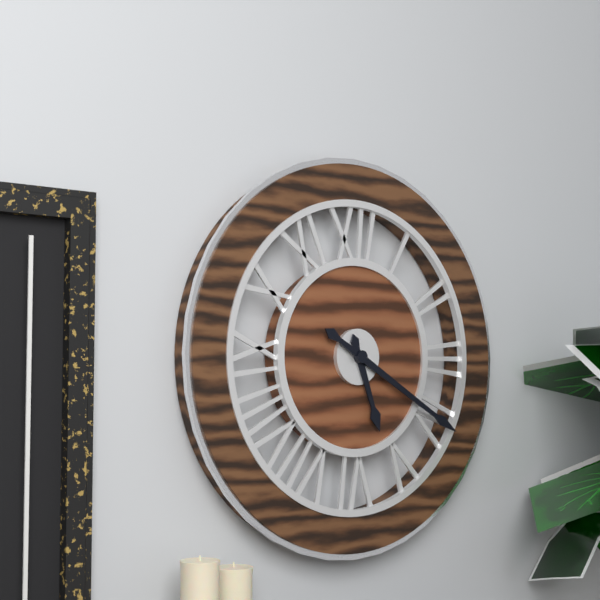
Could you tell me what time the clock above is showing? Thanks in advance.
5:20
